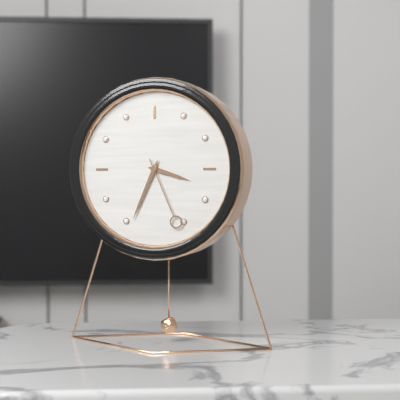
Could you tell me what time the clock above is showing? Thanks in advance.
3:34:26
